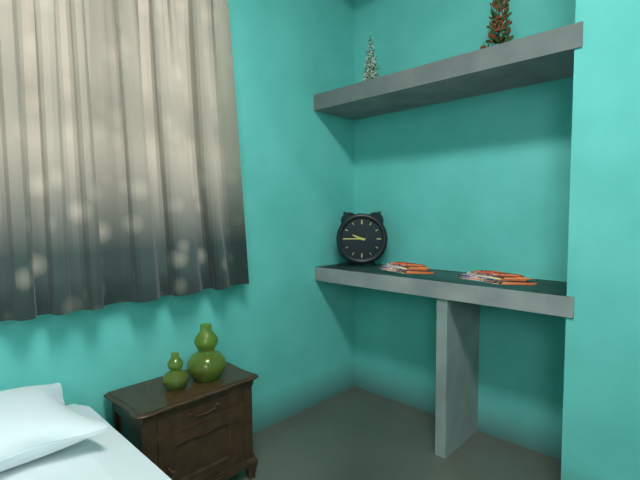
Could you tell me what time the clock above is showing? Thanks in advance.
9:45
